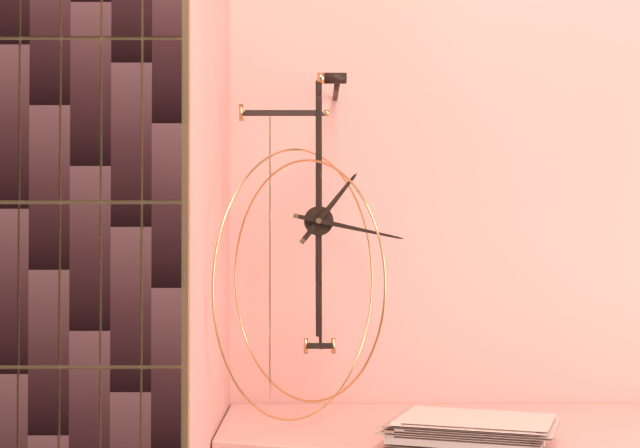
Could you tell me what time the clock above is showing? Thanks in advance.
1:17
